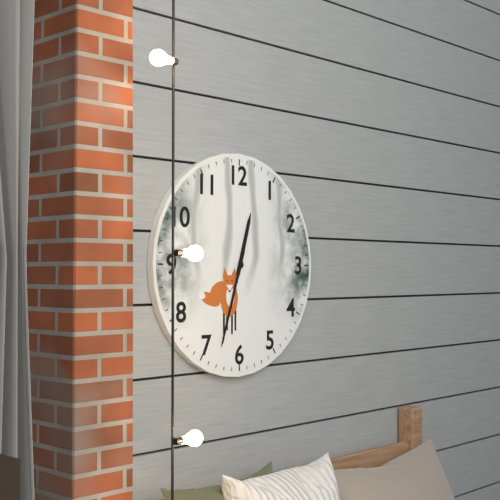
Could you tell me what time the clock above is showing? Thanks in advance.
12:33
